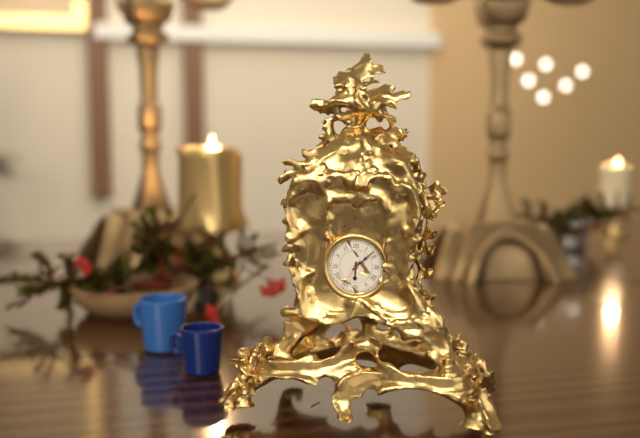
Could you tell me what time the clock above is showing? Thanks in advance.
6:08
